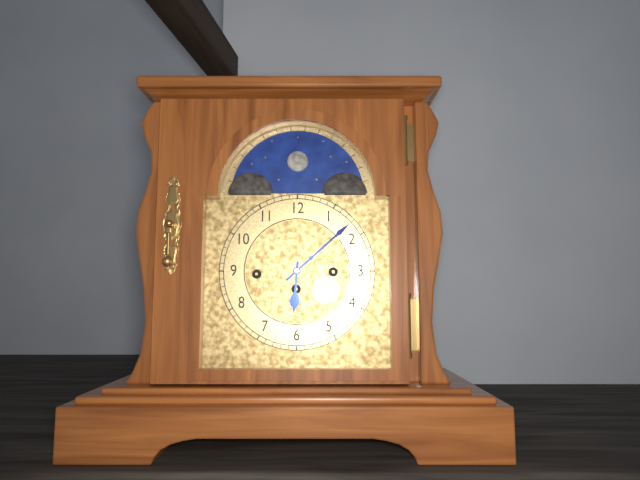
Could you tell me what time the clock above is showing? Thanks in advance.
6:08
